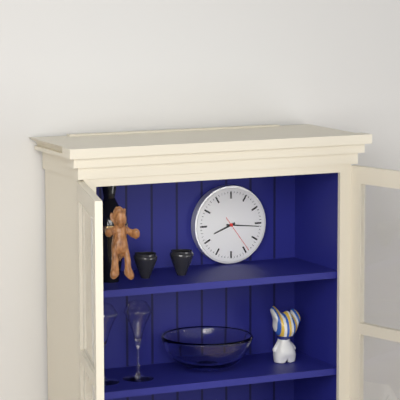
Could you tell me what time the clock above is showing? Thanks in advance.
8:16
